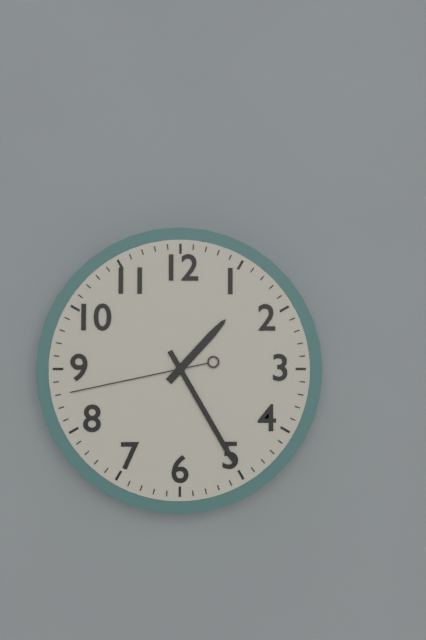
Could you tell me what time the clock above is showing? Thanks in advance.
1:25:43
